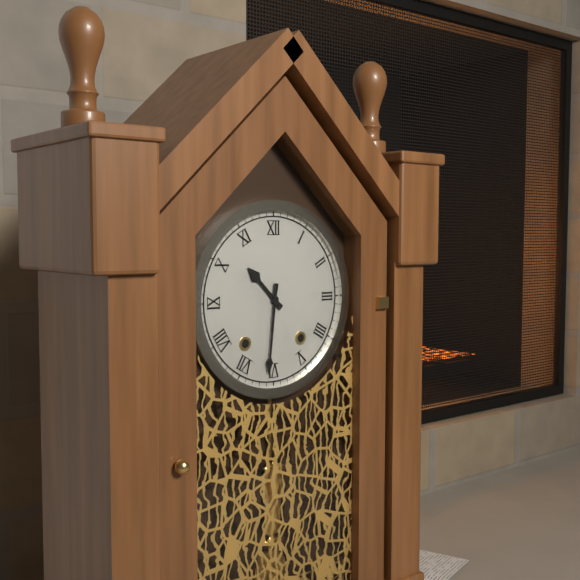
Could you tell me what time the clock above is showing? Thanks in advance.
10:31
